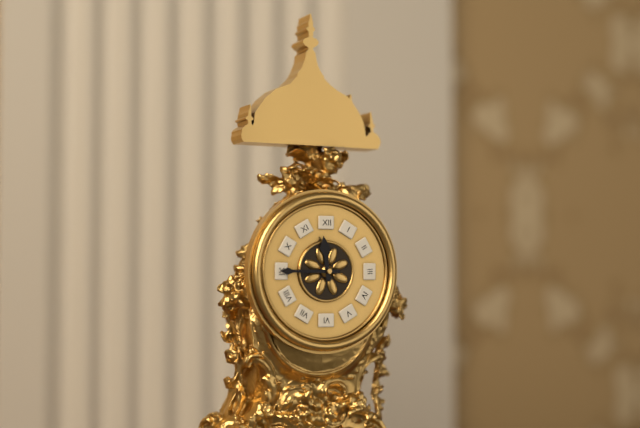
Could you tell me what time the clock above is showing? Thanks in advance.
11:45
